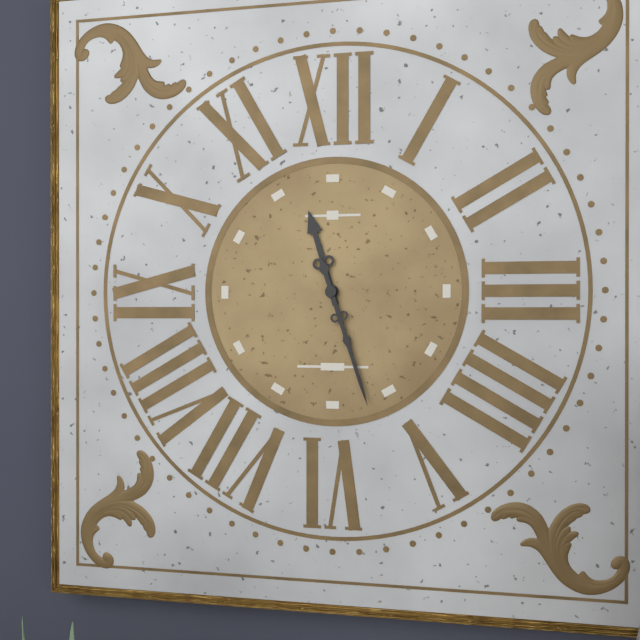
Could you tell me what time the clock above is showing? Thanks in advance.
11:27
